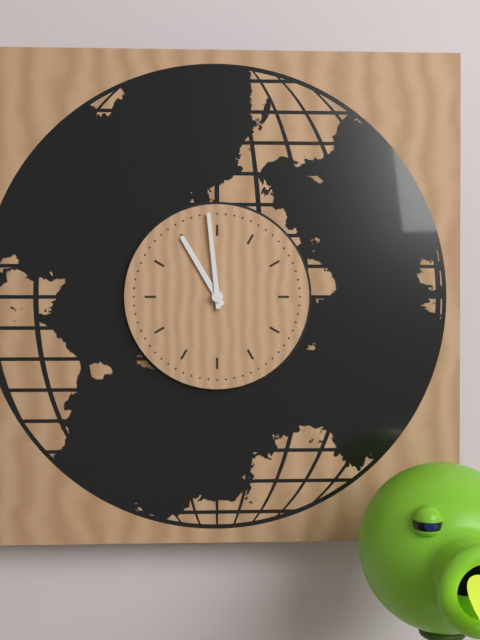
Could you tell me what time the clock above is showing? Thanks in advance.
10:59
